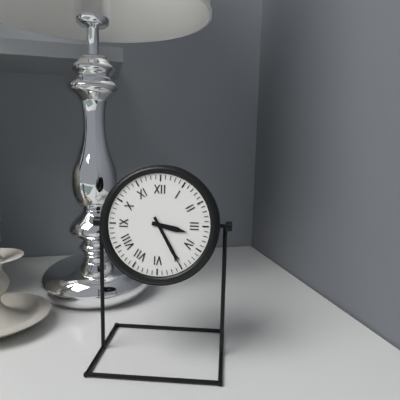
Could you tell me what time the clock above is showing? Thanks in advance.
3:25
